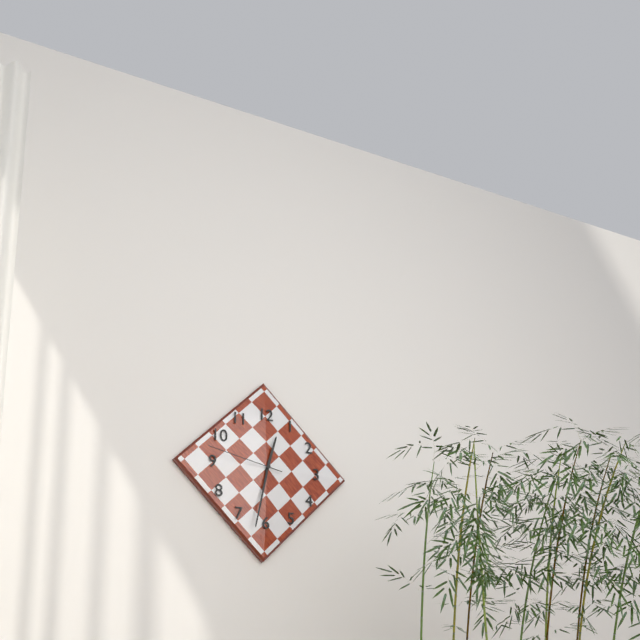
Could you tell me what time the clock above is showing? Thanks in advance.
12:32:47
